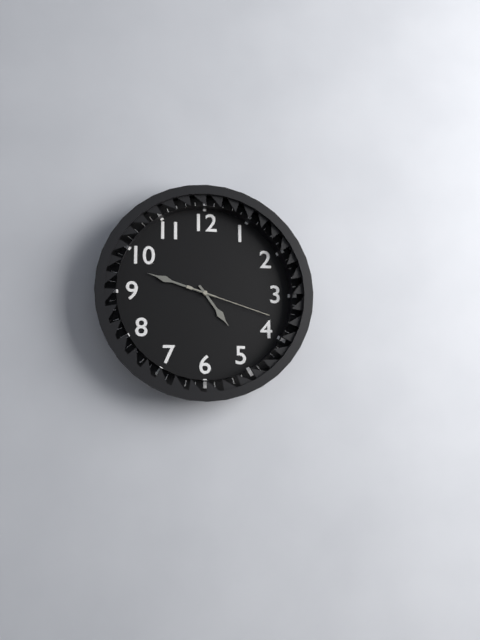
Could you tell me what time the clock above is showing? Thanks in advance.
4:48:18
